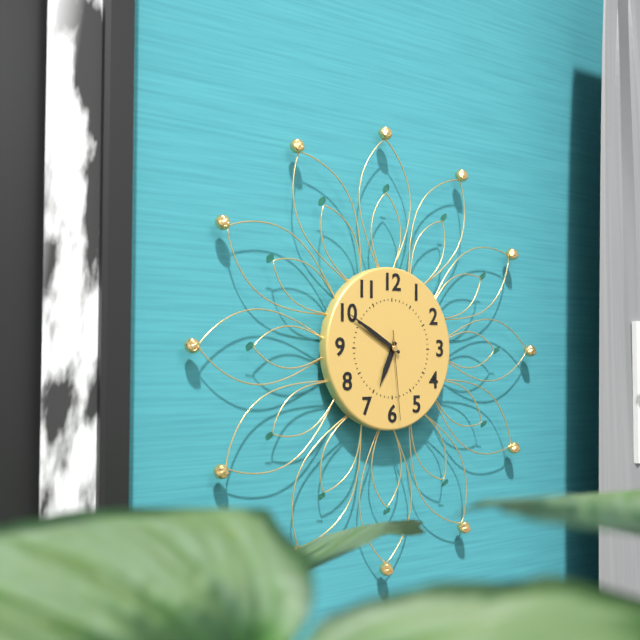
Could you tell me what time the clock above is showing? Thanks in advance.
6:50:29
